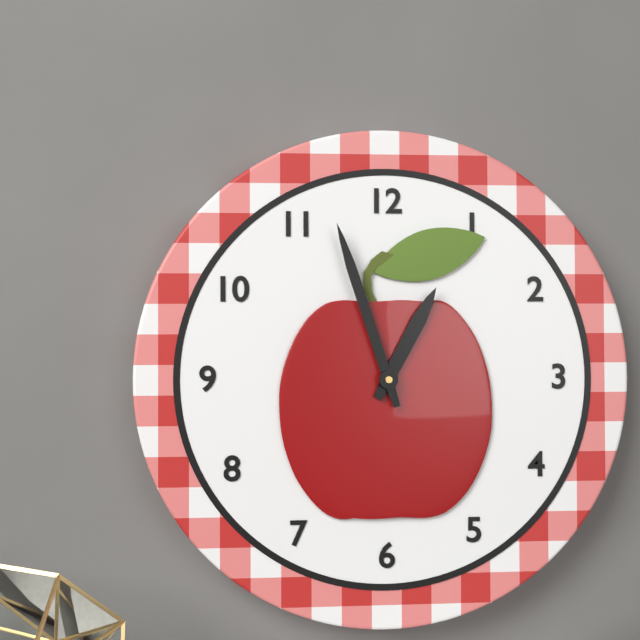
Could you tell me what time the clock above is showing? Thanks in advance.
12:57
